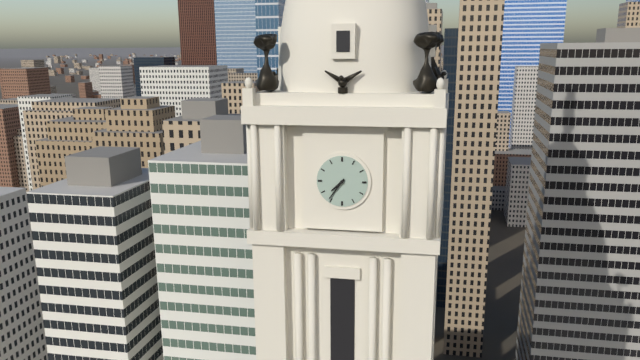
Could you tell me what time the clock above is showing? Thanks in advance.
7:36
